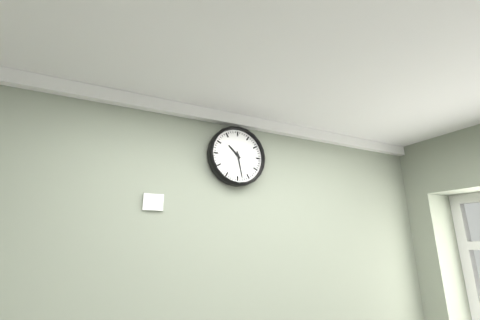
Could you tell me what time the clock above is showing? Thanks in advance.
10:28
